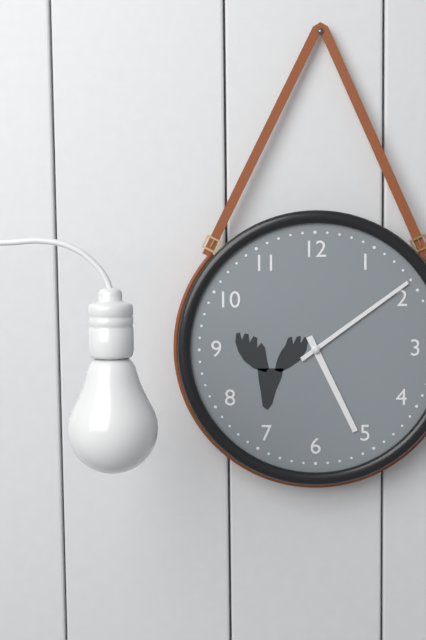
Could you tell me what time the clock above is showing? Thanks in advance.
5:09
